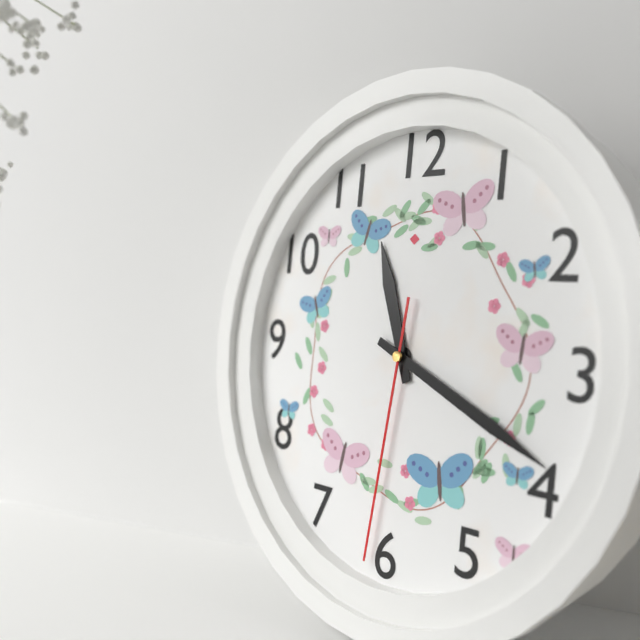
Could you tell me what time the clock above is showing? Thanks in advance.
11:19:31
